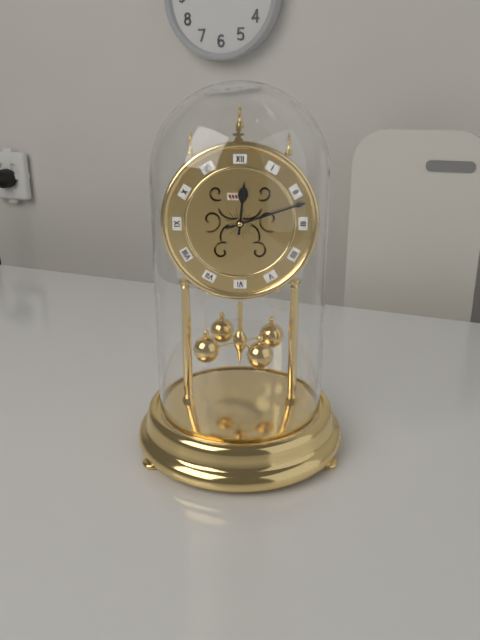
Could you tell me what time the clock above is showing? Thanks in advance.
12:12
